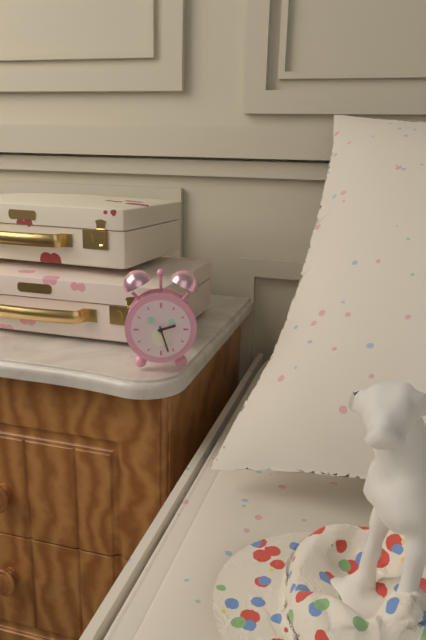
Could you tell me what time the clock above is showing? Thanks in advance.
2:27
